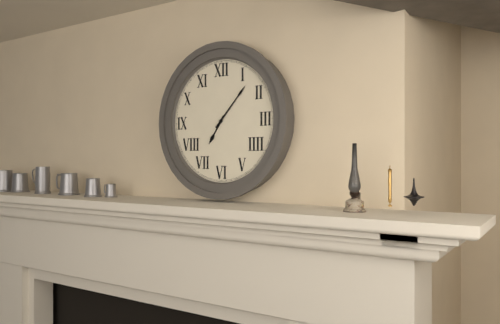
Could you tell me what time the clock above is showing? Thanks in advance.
7:07
